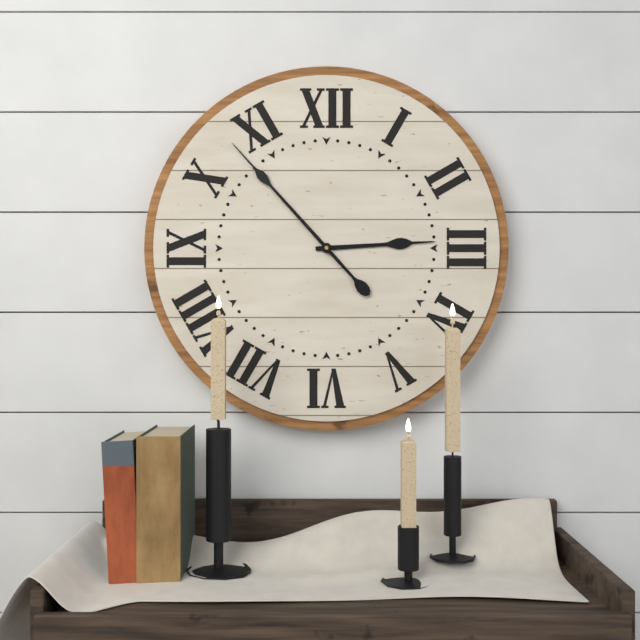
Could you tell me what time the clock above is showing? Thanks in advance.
2:53
